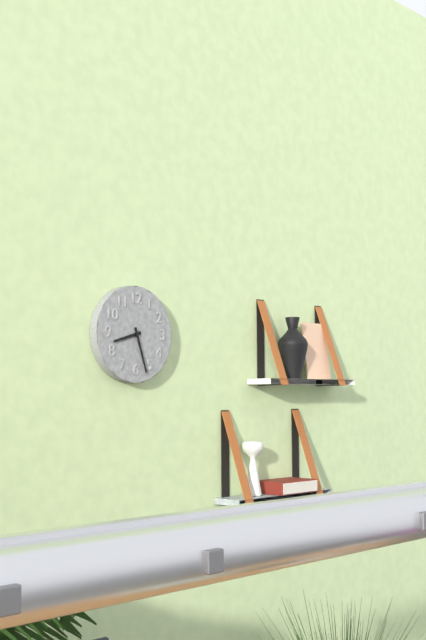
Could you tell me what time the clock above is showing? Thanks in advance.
8:27
